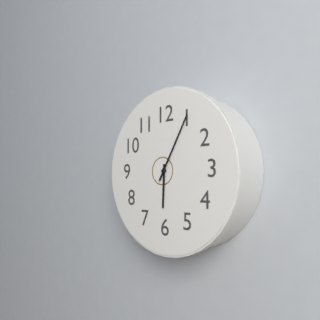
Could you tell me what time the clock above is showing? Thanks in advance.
6:05
